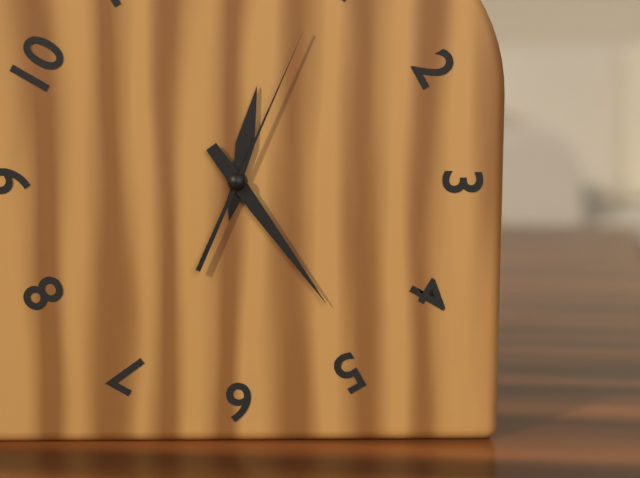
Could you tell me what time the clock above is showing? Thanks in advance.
12:24:04
